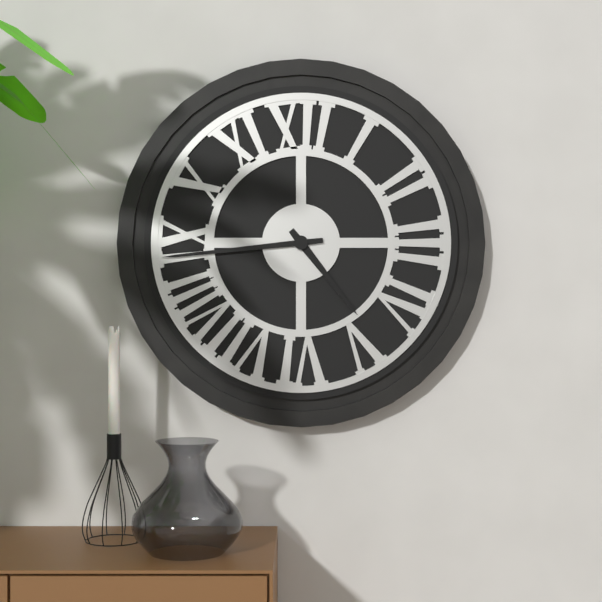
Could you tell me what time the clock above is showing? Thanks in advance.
4:44
